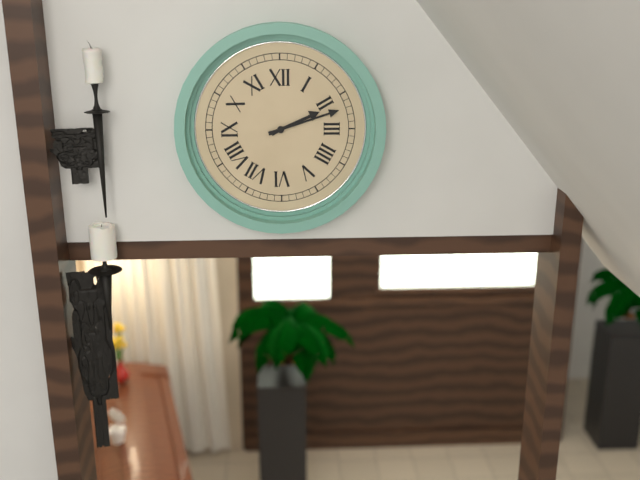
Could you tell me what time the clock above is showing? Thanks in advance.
2:12
